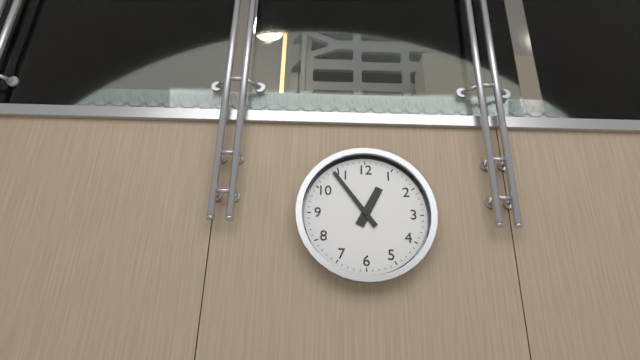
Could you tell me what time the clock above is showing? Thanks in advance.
12:54
